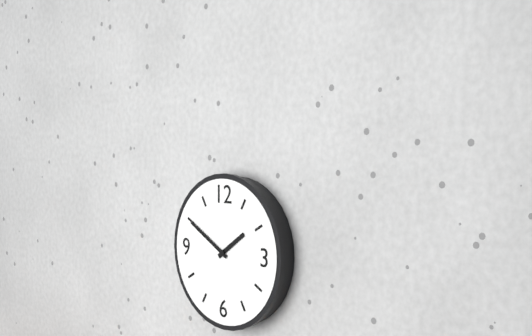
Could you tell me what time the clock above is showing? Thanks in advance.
1:50
